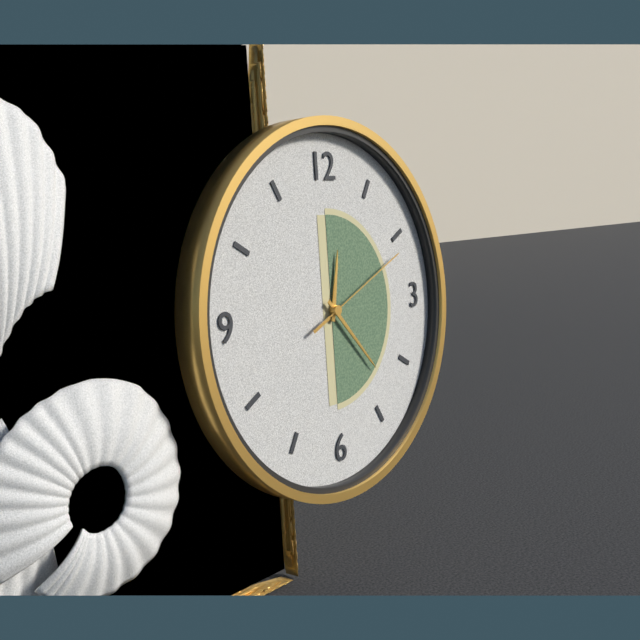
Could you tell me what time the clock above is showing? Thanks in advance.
12:23:11
